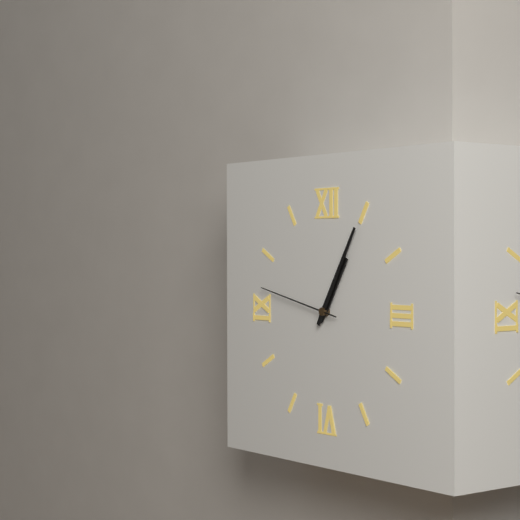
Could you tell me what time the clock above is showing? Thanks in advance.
1:05:47
